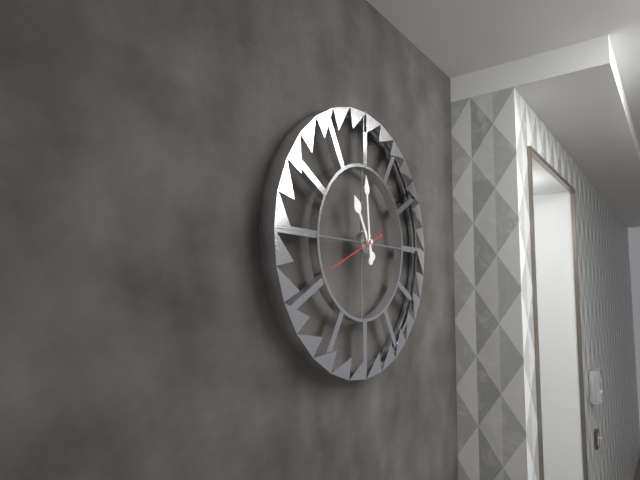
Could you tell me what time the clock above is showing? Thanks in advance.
10:59:41
